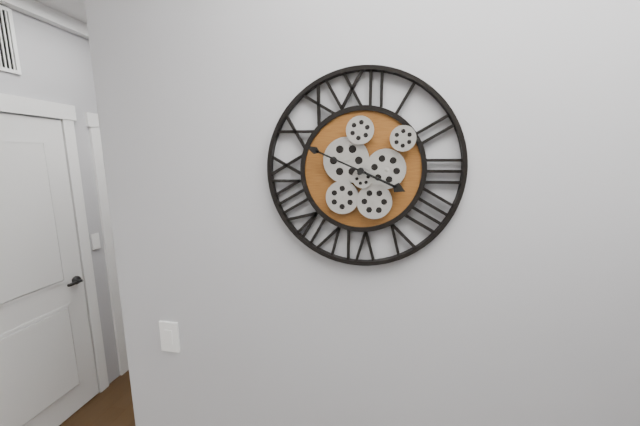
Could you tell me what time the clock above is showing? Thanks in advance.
3:49
